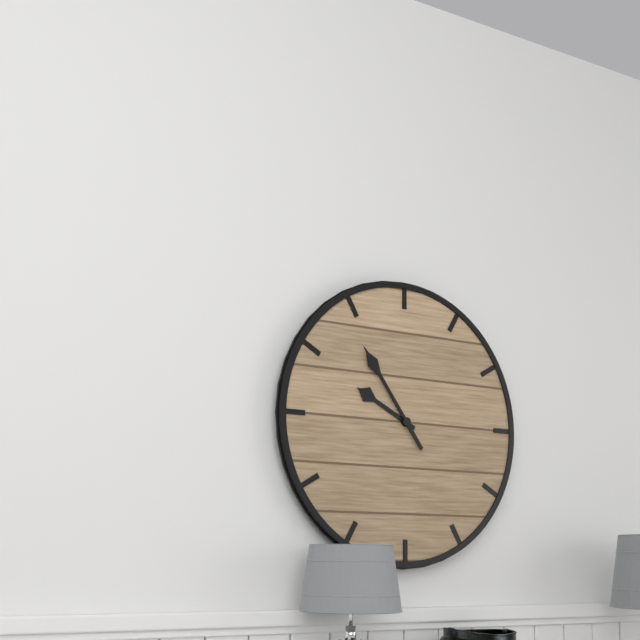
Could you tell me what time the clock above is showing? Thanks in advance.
9:54
